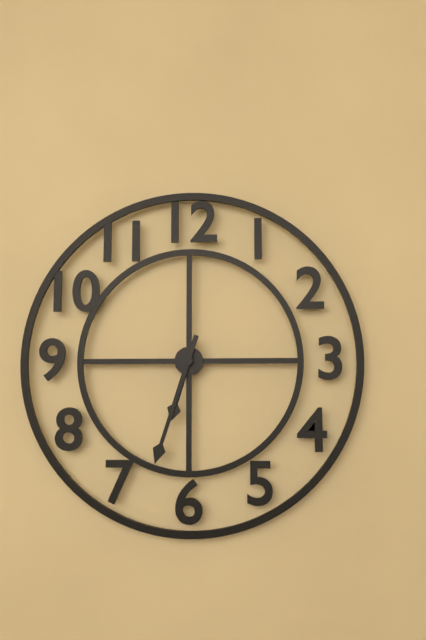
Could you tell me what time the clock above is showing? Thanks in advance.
6:33
